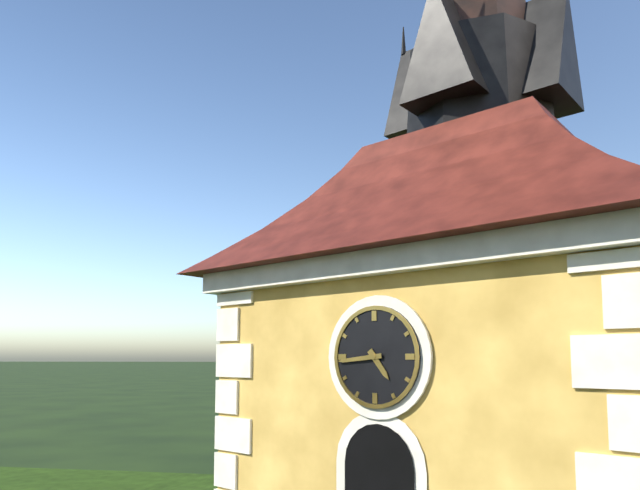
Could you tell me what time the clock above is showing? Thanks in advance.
4:44
